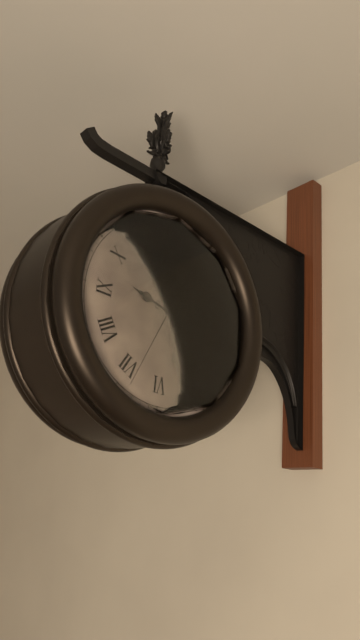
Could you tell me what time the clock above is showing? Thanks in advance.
9:27:34
